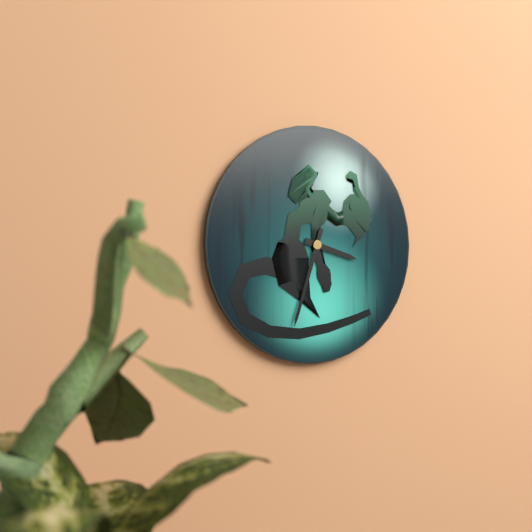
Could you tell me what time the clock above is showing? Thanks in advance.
3:33
